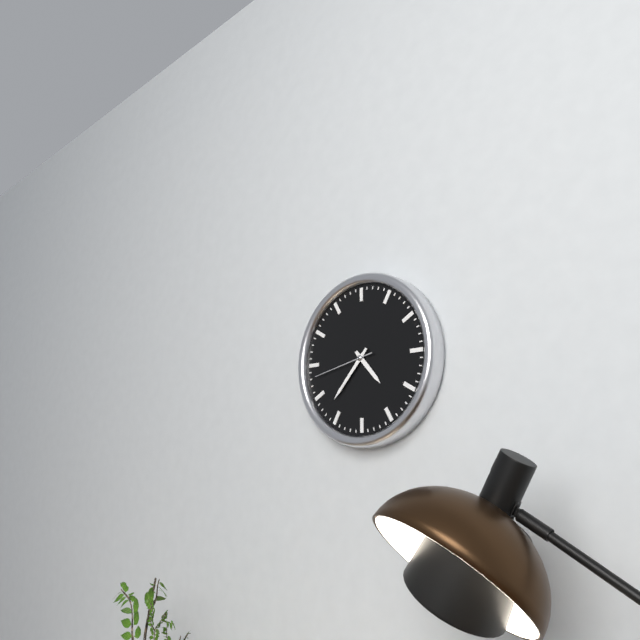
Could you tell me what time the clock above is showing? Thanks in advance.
4:37:43
